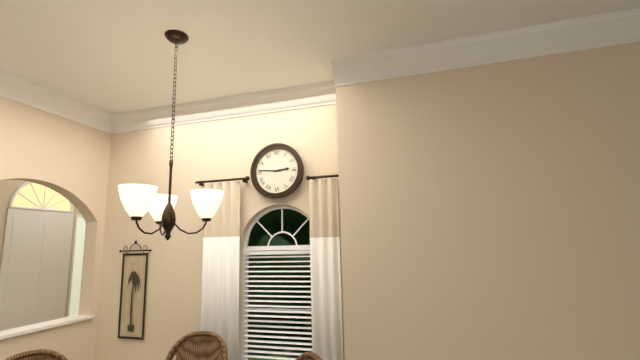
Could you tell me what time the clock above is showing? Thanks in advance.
2:46
